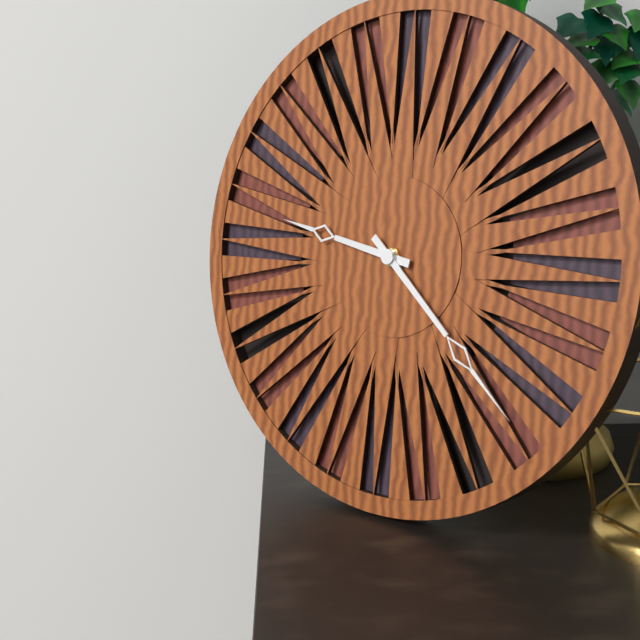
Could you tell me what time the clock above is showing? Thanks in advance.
9:22
